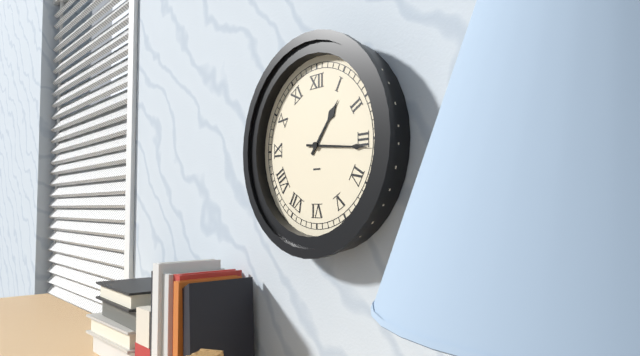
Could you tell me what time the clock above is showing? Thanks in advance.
1:16
